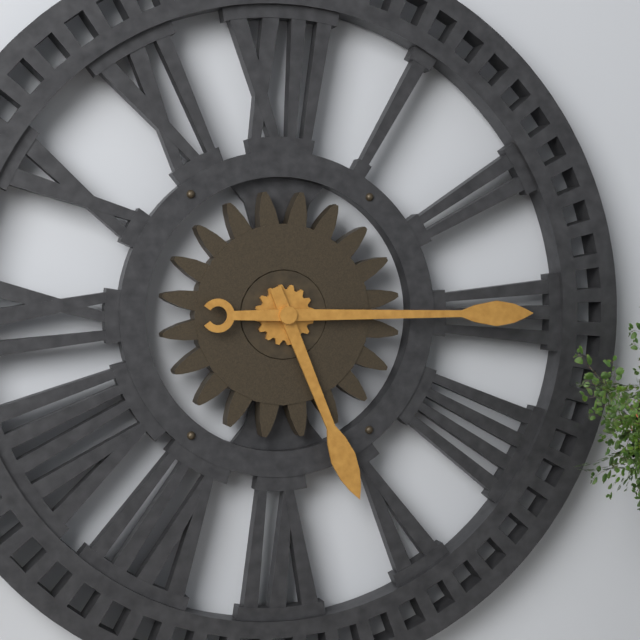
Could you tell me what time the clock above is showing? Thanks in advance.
5:15
